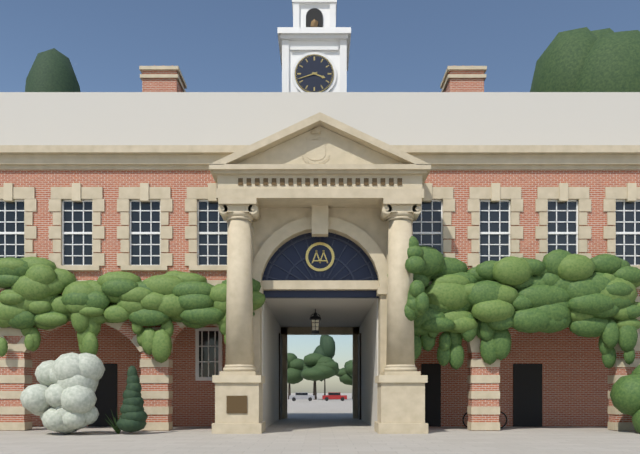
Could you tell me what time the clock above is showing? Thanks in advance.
3:42
